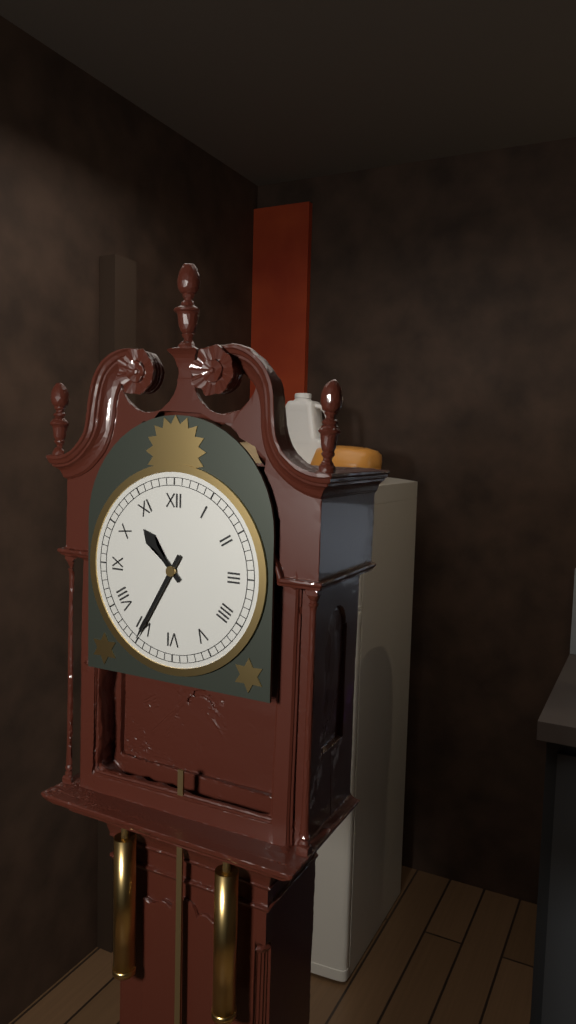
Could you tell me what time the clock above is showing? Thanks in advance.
10:35
